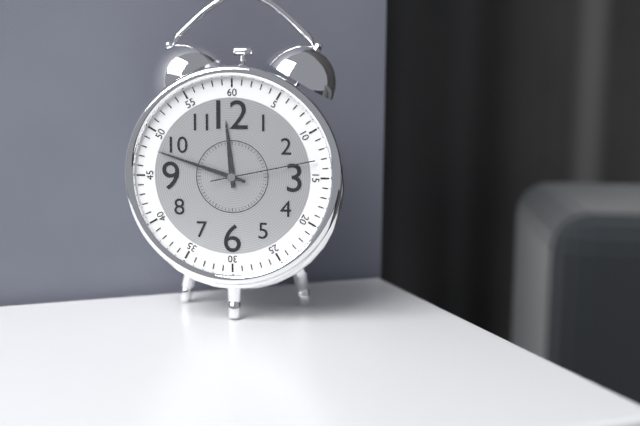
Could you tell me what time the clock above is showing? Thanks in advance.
11:48:13
